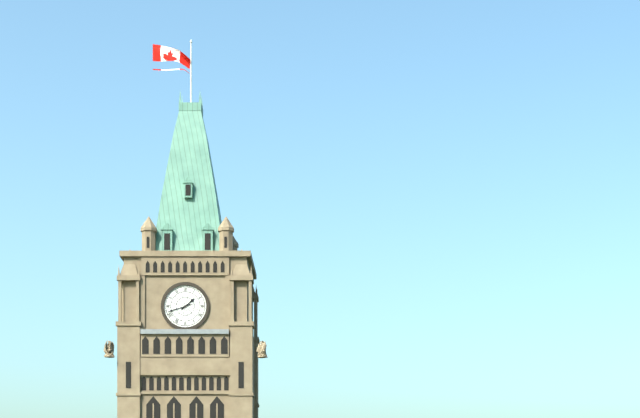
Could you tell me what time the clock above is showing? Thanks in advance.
1:42
